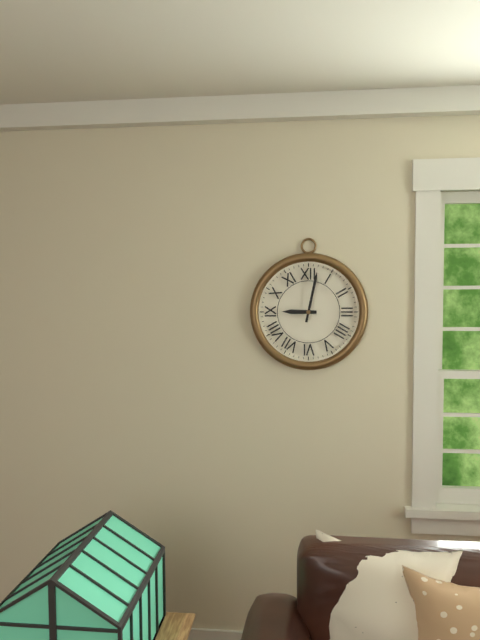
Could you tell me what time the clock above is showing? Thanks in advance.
9:02
